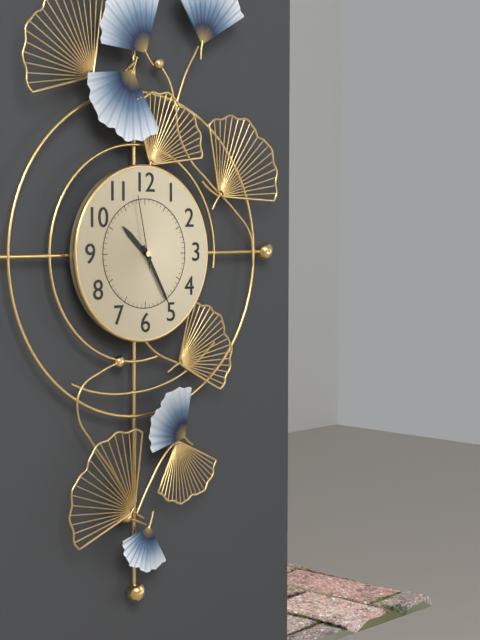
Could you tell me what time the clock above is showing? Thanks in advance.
10:25:58
